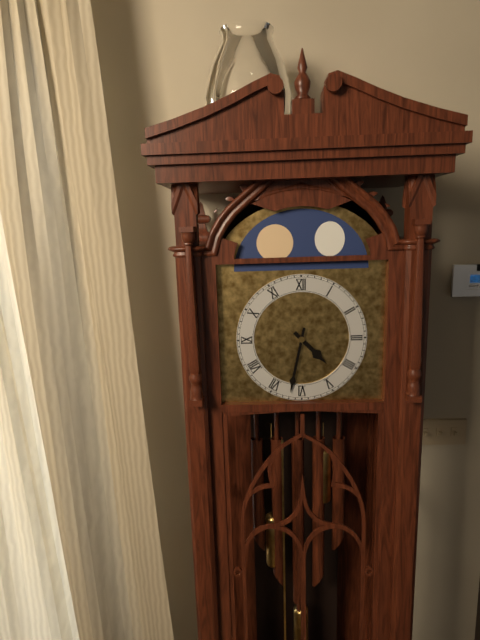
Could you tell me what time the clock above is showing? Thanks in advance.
4:32
